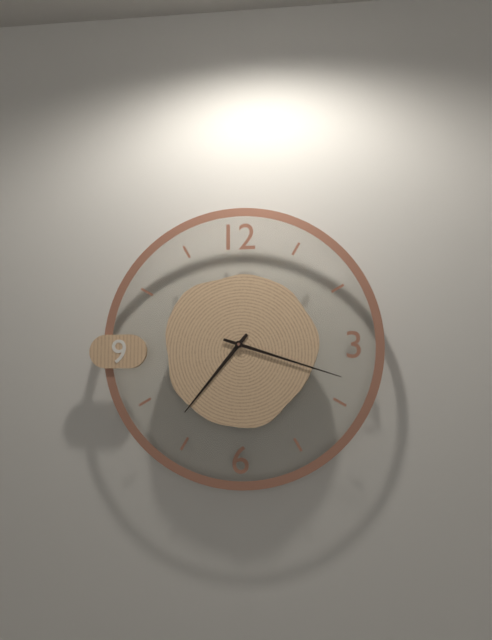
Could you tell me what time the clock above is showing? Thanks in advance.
7:18
